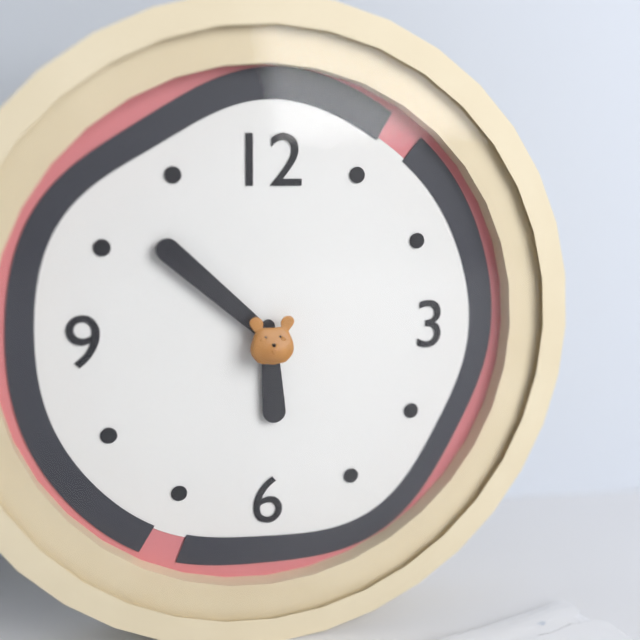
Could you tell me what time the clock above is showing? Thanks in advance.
5:52
